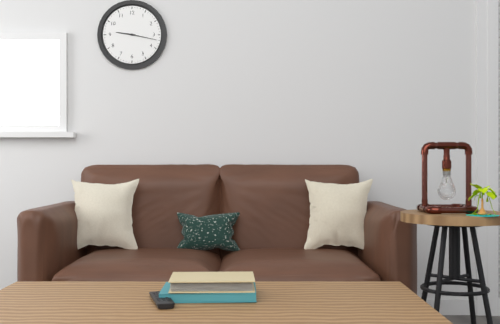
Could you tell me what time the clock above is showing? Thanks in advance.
9:17
